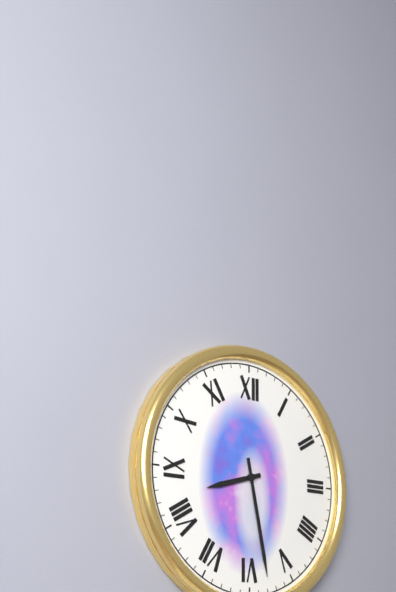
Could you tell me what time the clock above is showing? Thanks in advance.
8:28
